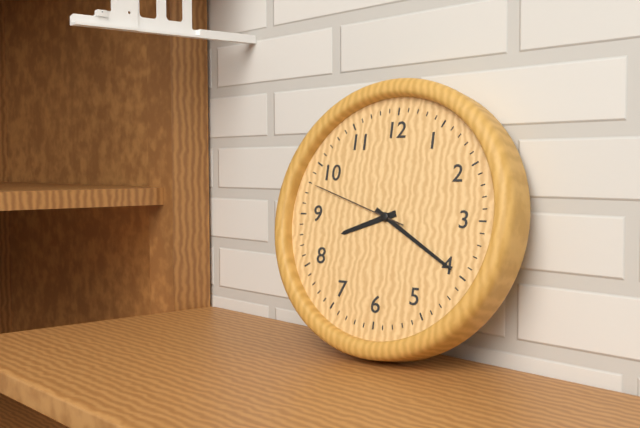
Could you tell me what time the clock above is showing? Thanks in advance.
8:20:48
